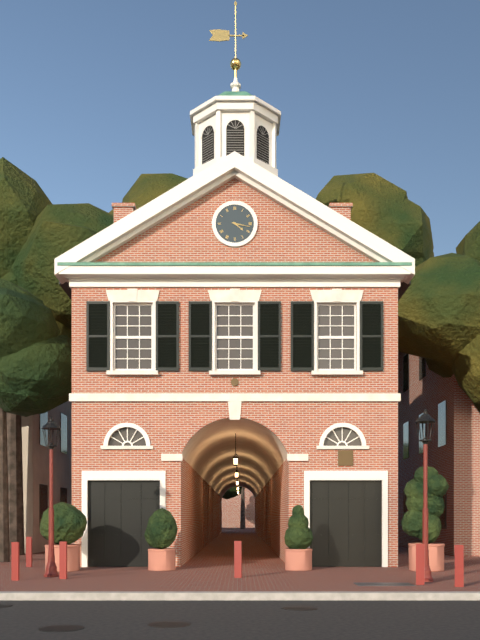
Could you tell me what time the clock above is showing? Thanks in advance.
4:17
